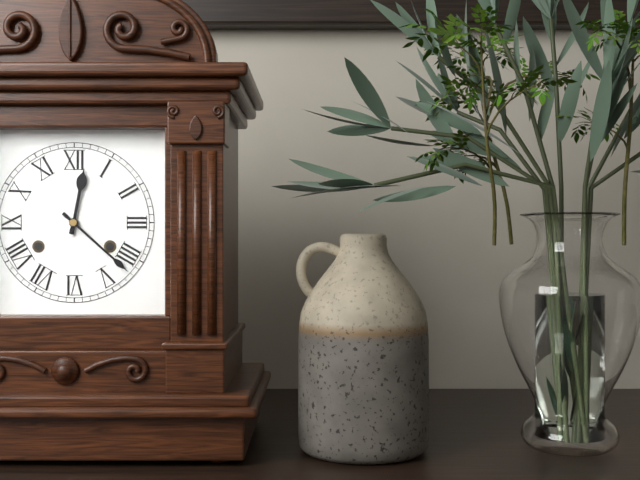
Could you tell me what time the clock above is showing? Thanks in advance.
12:22
